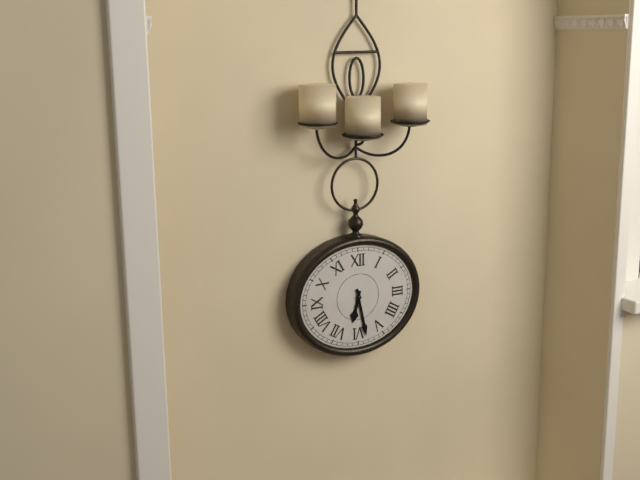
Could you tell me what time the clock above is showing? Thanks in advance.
6:28
